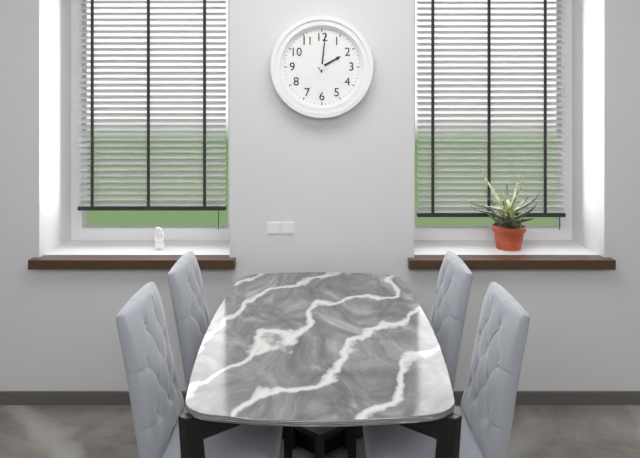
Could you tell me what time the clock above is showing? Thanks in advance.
2:01
